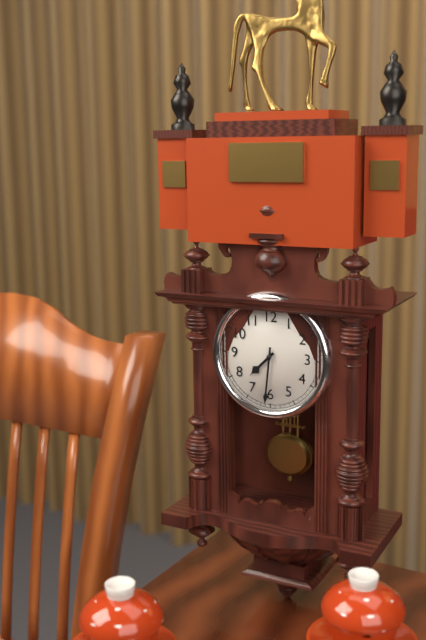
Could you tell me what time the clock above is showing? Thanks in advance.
7:31
